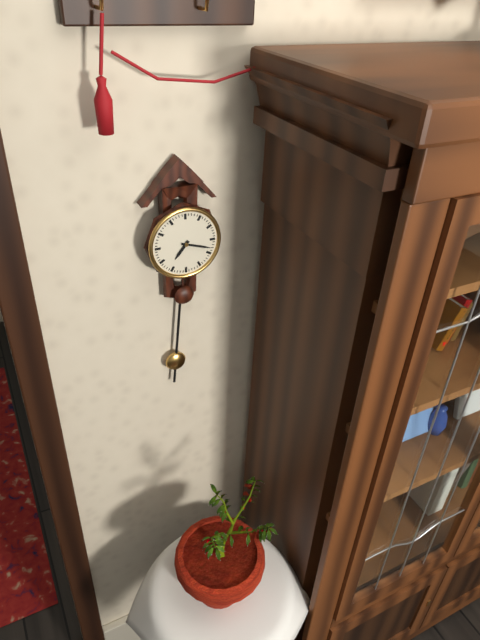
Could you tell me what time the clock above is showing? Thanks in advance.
7:18
